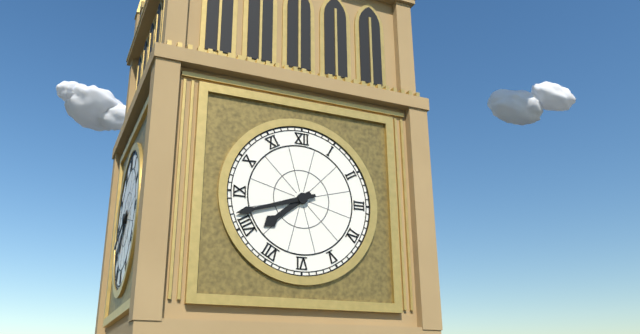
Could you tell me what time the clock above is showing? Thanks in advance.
7:42
